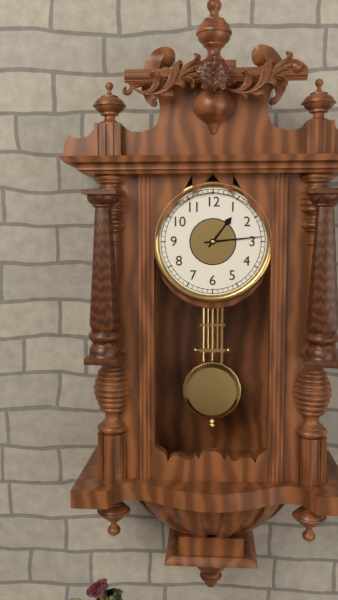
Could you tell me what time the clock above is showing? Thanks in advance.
1:14
